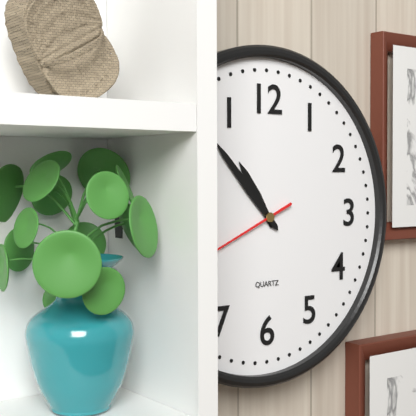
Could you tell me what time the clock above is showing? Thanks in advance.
10:53
